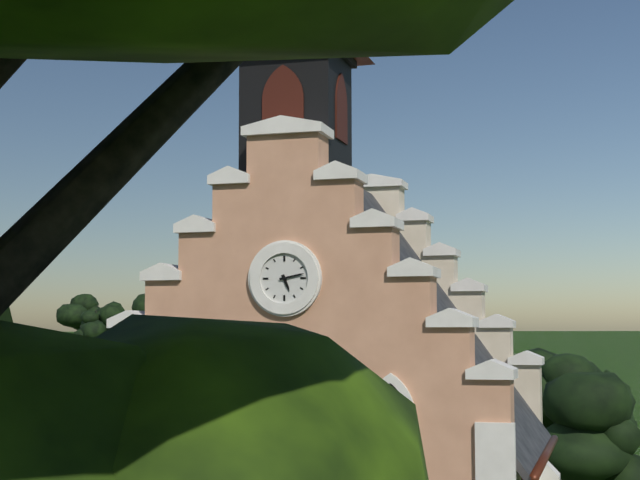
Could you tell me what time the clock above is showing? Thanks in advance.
5:13
